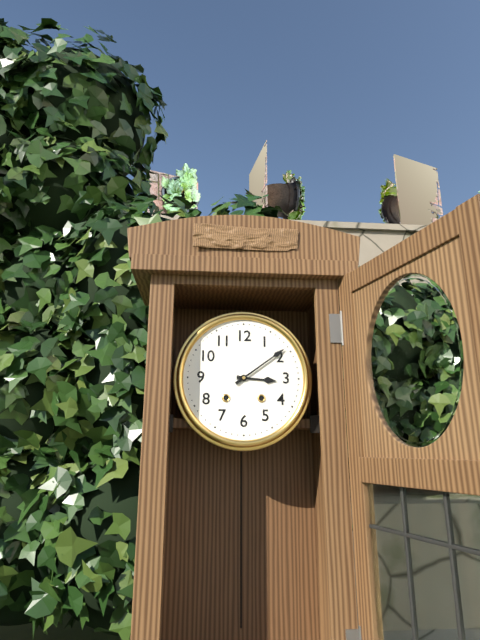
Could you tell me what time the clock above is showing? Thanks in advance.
3:09
